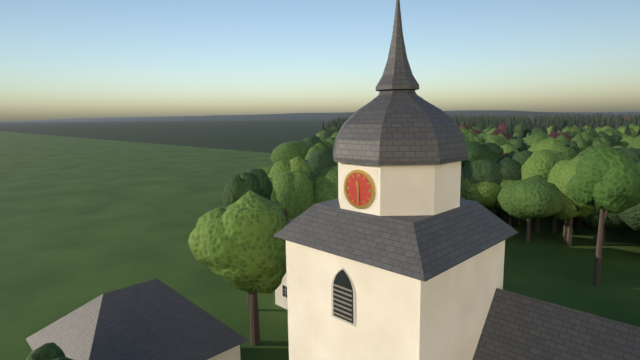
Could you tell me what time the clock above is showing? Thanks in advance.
11:30
